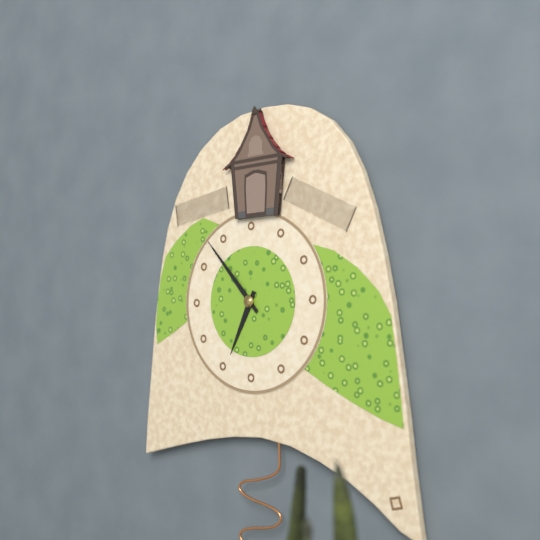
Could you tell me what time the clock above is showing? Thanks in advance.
6:53
